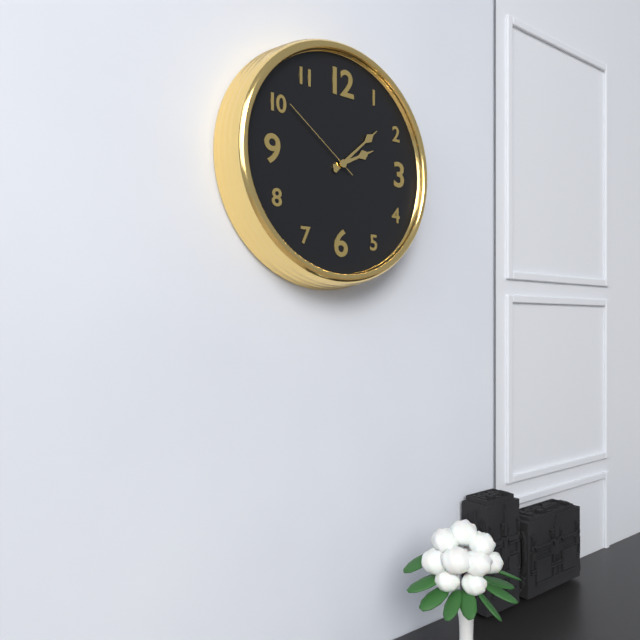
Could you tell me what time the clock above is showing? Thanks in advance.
2:08:51
